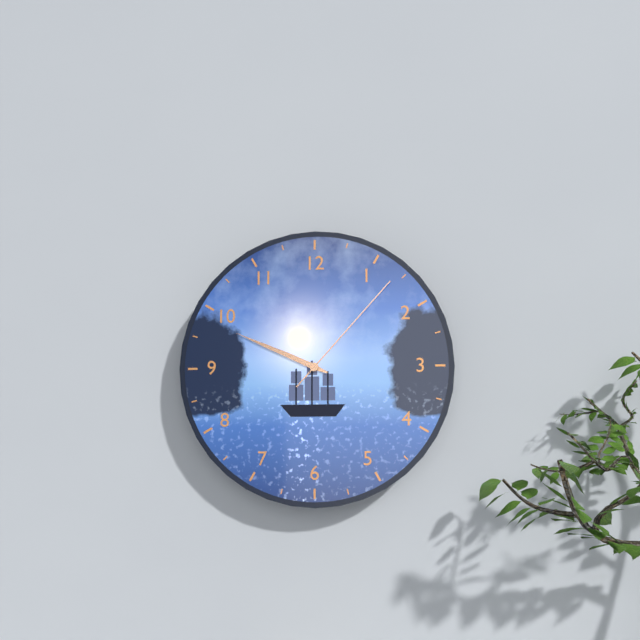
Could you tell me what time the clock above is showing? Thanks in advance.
9:49:07
